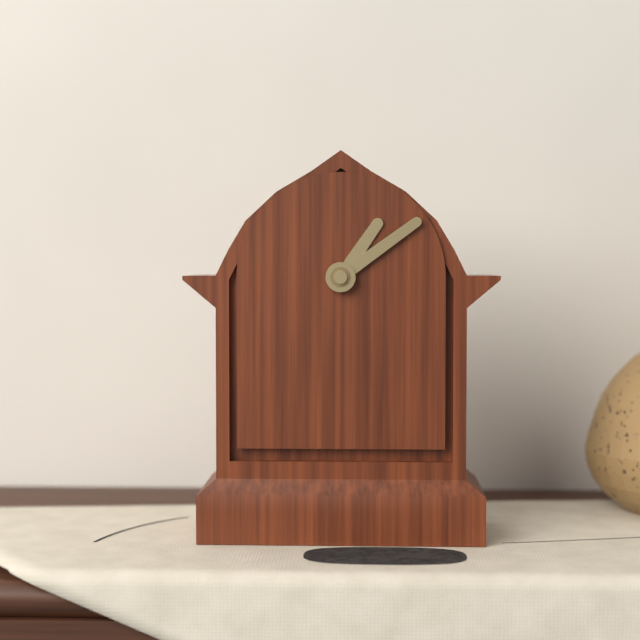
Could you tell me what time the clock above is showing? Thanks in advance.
1:09
